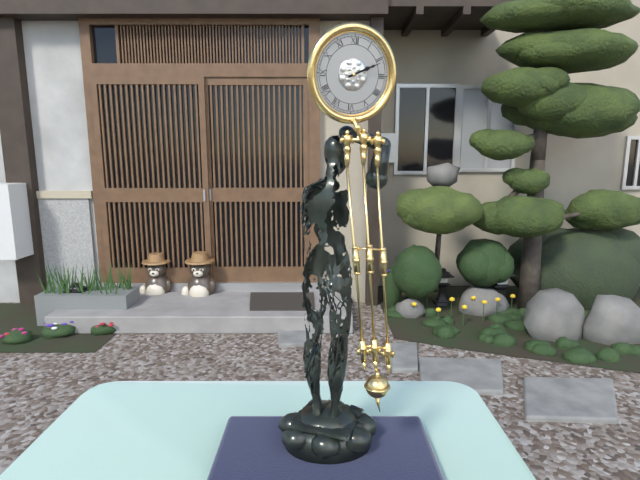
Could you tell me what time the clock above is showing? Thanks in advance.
2:11
